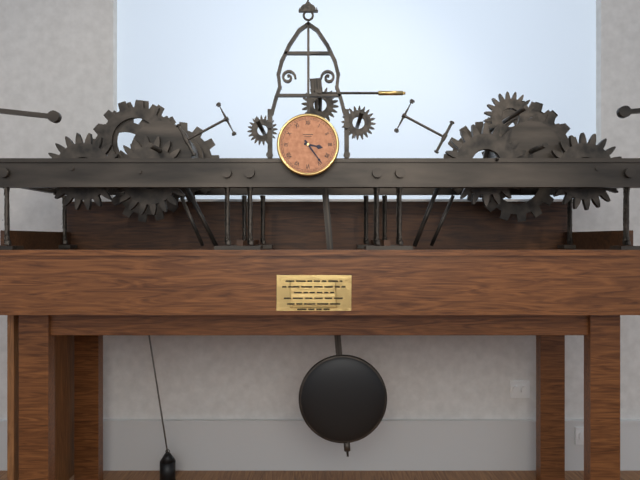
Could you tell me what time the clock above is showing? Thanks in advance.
3:24
